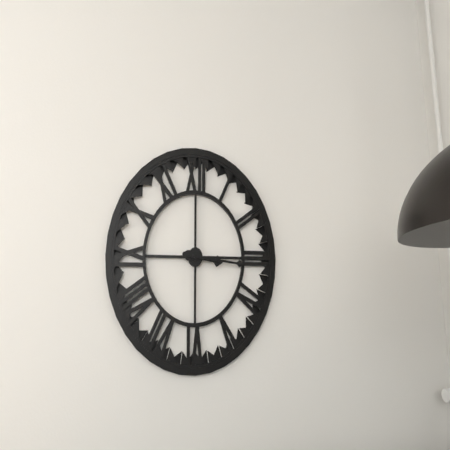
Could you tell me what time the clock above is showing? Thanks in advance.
3:16
